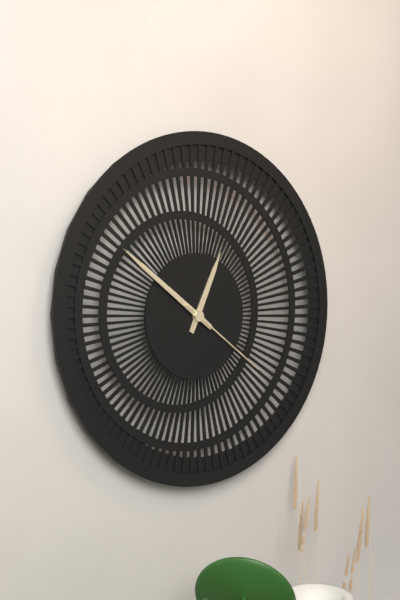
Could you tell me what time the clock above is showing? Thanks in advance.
12:51:21
